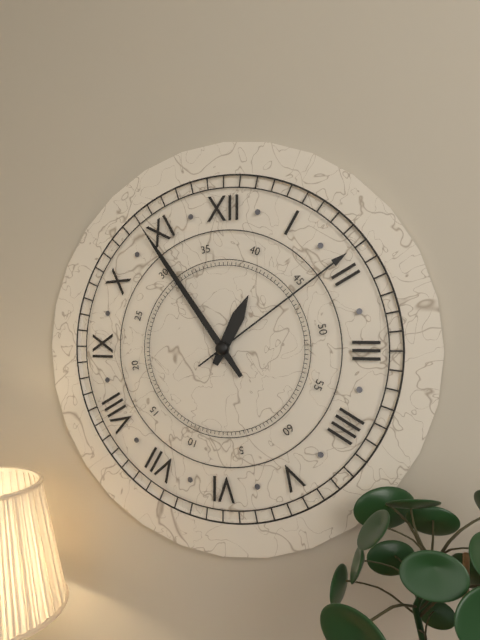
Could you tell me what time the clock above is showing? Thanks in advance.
12:54:09
